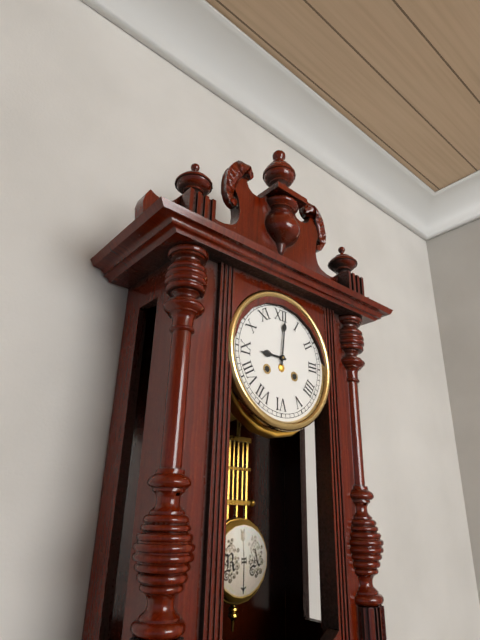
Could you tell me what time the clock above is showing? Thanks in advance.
9:01
